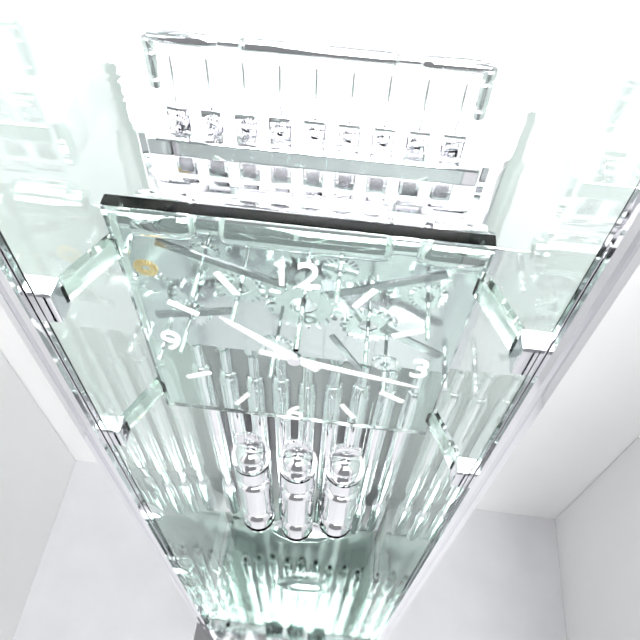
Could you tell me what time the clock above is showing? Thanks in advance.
10:17
